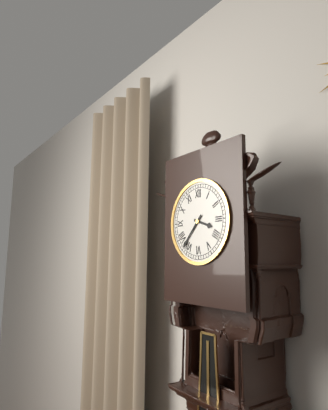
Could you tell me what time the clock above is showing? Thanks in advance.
3:37
